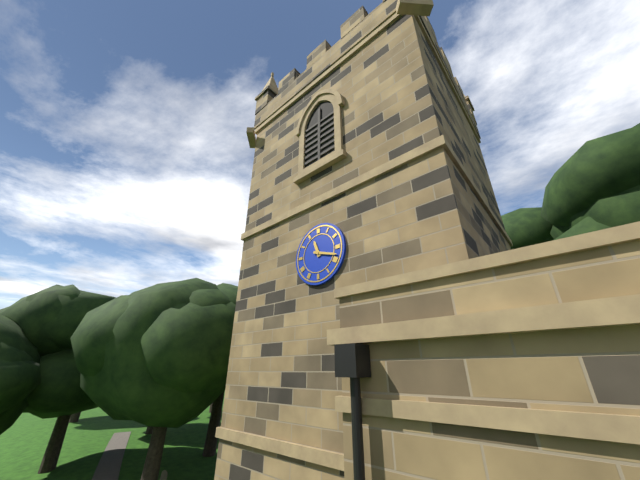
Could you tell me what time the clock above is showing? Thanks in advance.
11:18
